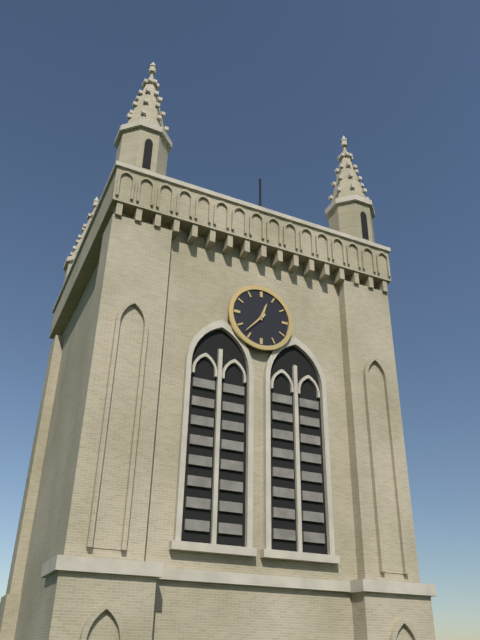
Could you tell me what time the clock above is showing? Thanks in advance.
12:37
